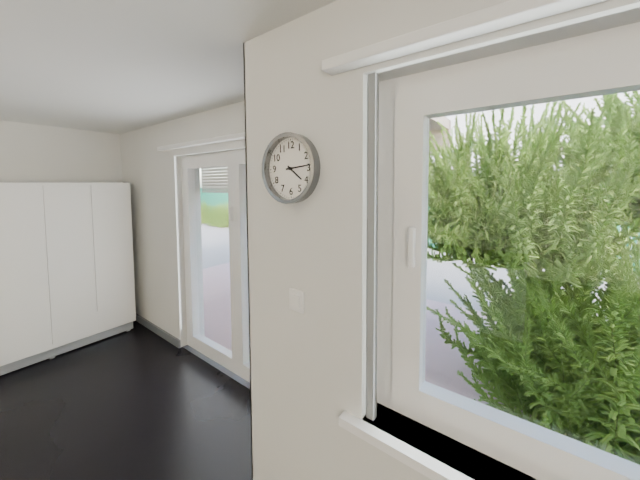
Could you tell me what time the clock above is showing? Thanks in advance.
4:14
